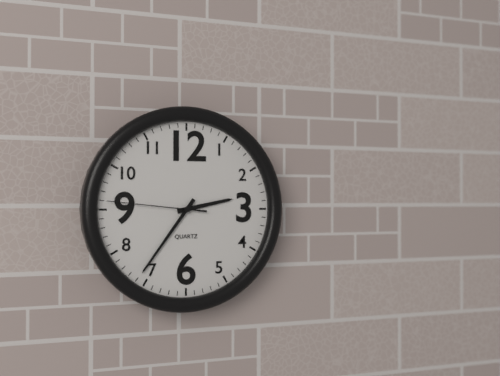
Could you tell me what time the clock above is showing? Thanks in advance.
2:36:46
